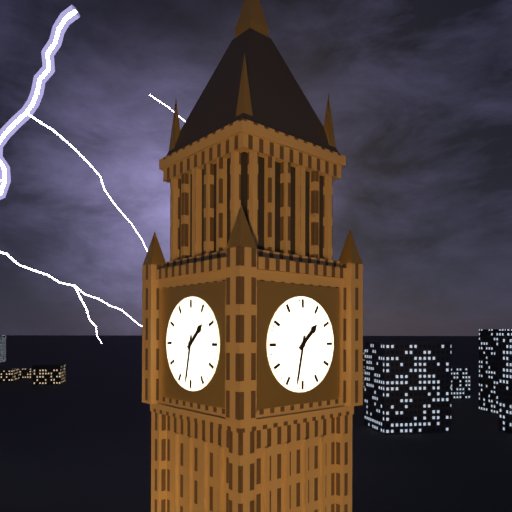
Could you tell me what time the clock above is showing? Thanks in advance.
1:32
